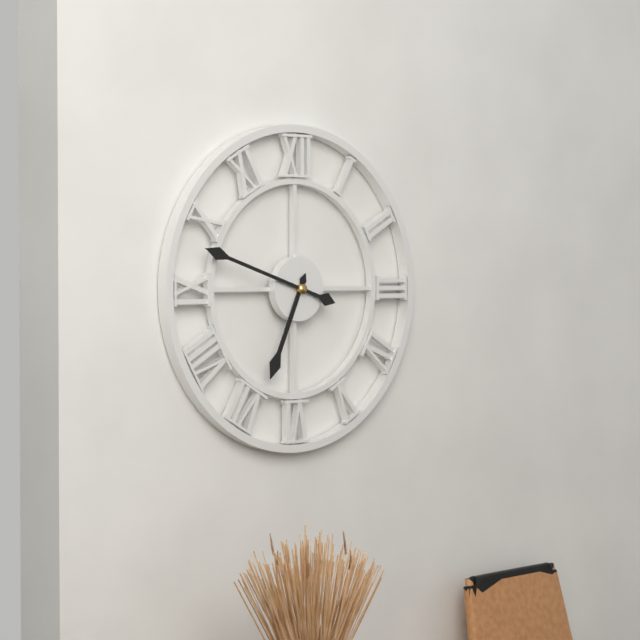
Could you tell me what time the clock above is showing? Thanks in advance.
6:48
